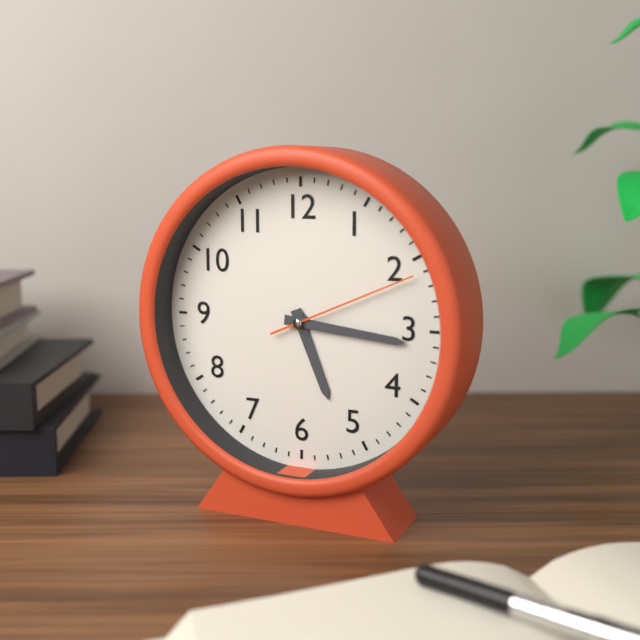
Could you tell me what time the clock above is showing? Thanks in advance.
5:16:11
